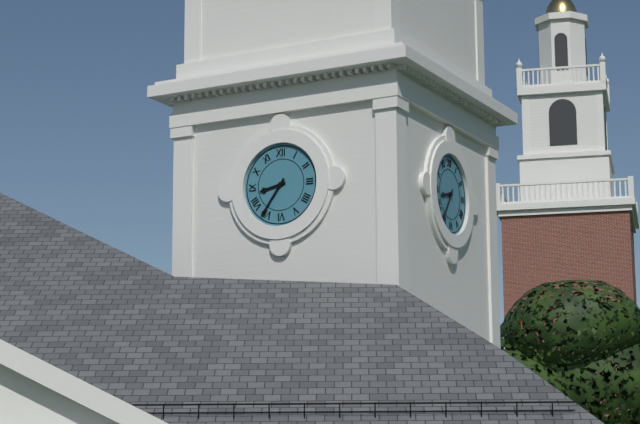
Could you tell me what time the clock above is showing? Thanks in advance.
8:36
